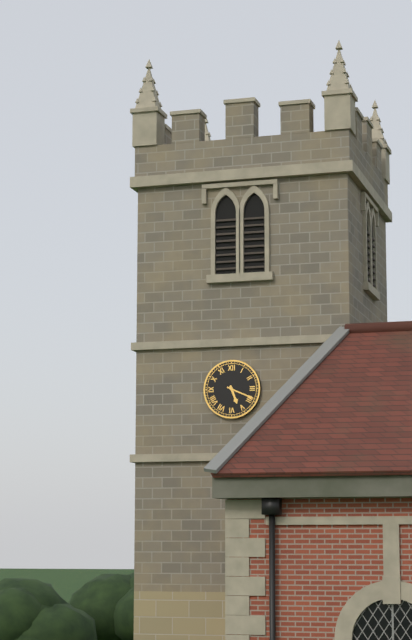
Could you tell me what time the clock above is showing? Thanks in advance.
5:19
